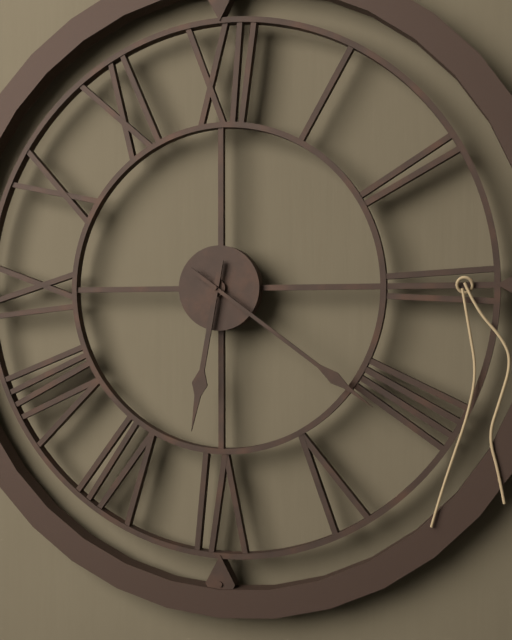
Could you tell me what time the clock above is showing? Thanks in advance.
6:21
